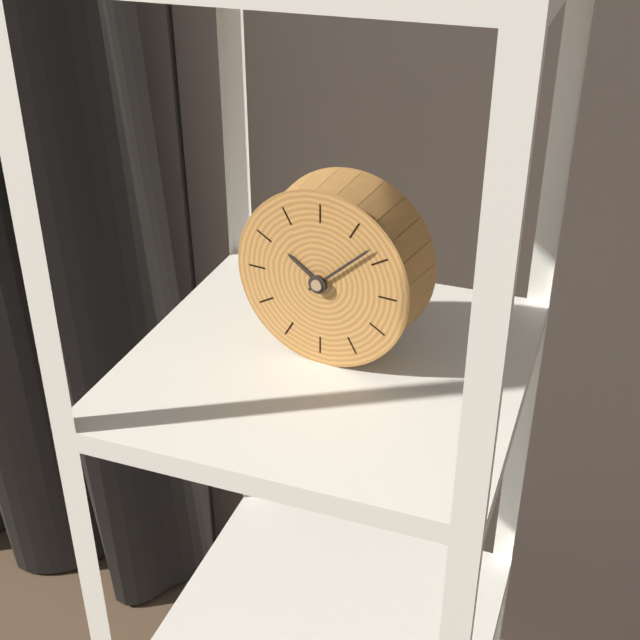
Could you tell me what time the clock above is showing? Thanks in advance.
10:08
